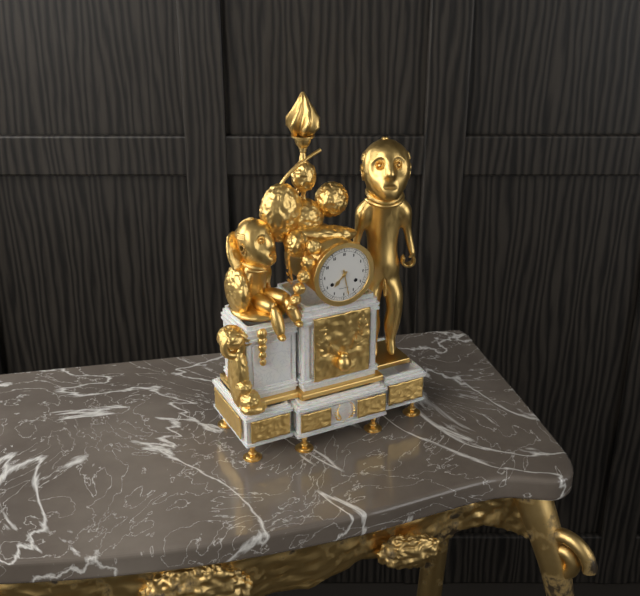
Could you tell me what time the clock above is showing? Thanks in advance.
7:28
